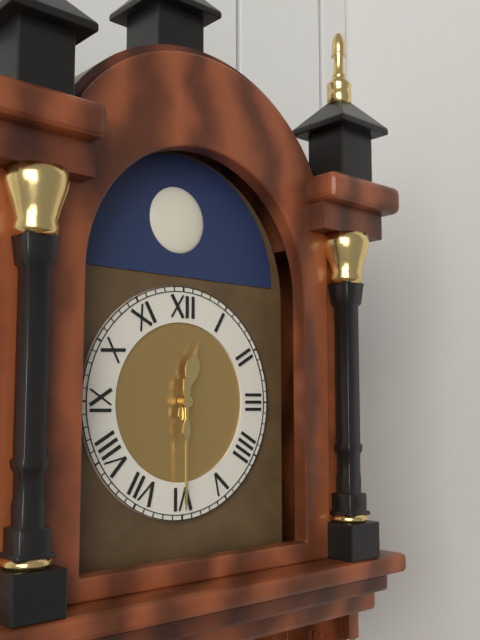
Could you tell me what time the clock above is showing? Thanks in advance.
12:30
